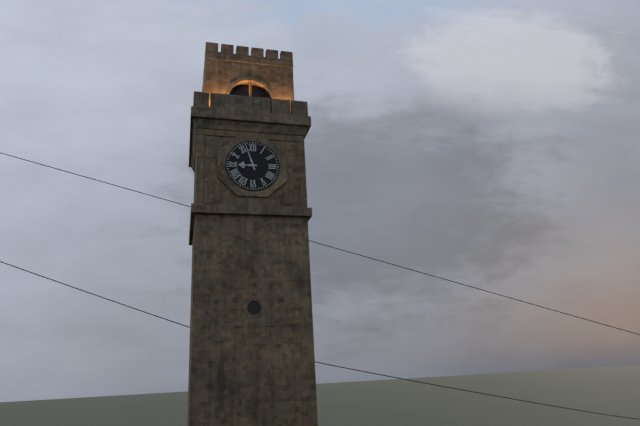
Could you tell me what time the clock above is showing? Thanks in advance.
8:57
